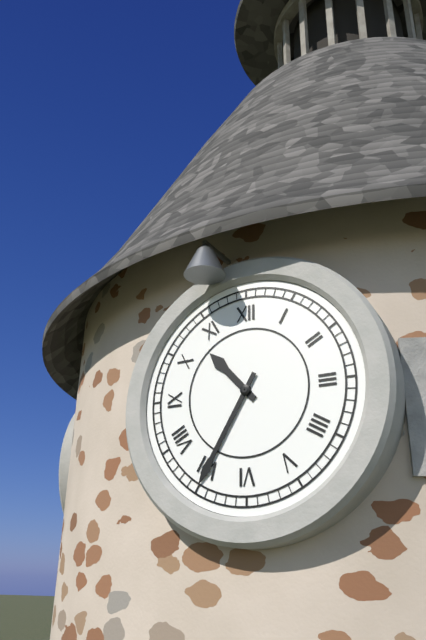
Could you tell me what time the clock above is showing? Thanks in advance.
10:35
